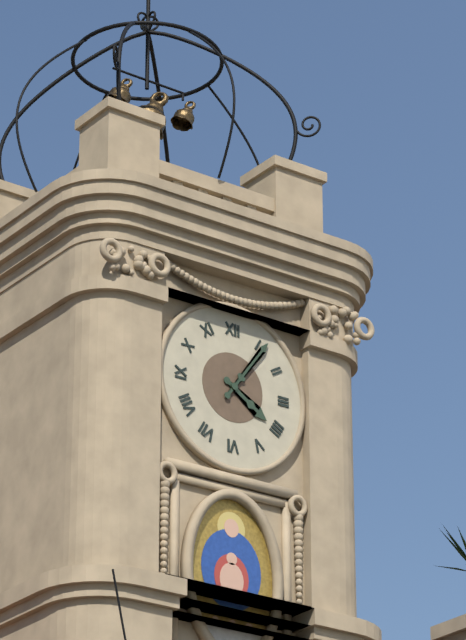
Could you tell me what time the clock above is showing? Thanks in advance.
4:06
